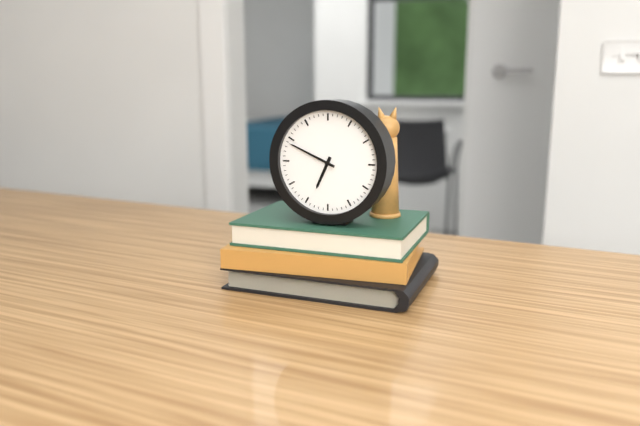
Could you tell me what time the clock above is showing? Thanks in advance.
6:49
